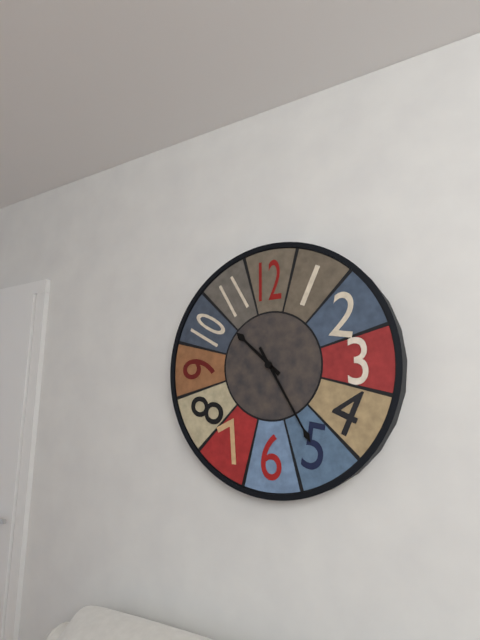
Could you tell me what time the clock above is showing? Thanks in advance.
10:25
